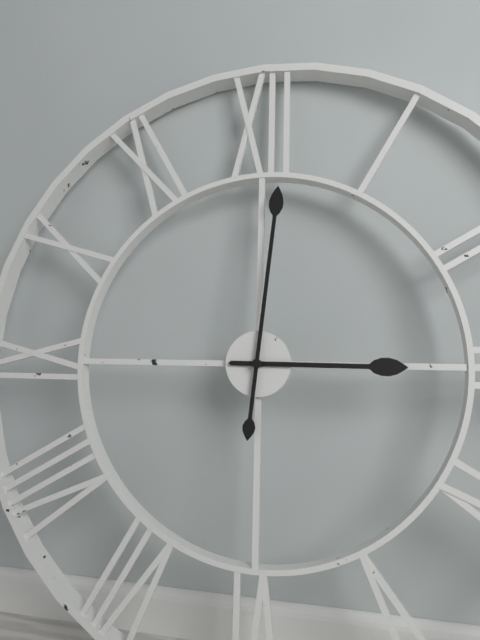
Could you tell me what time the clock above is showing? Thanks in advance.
3:01
